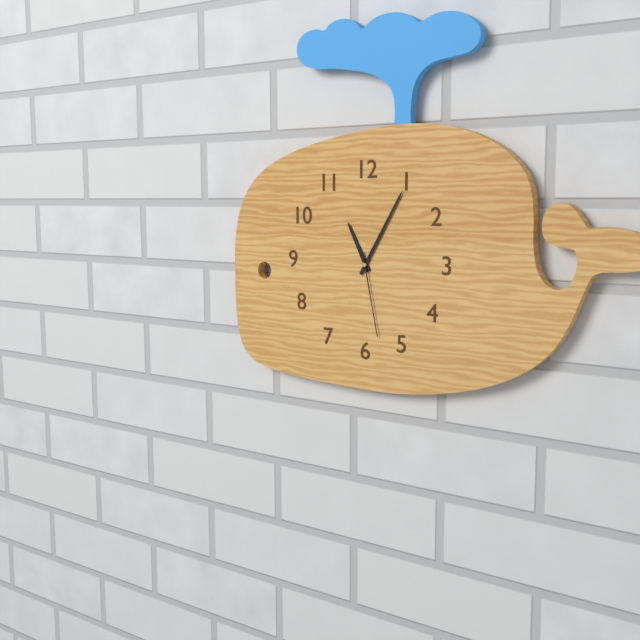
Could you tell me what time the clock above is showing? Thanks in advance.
11:05:28
